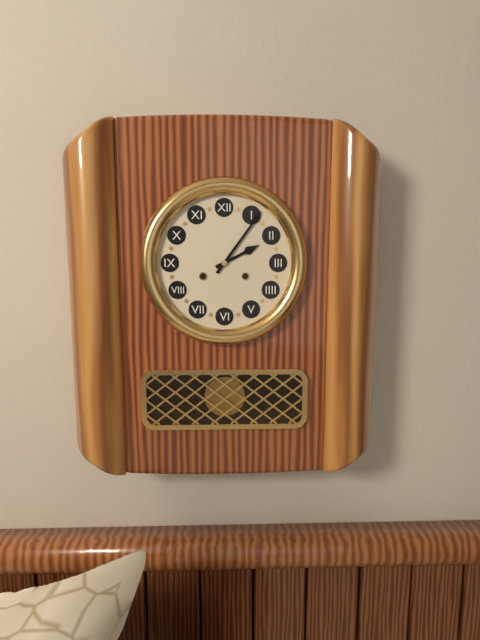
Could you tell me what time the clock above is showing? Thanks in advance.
2:06
